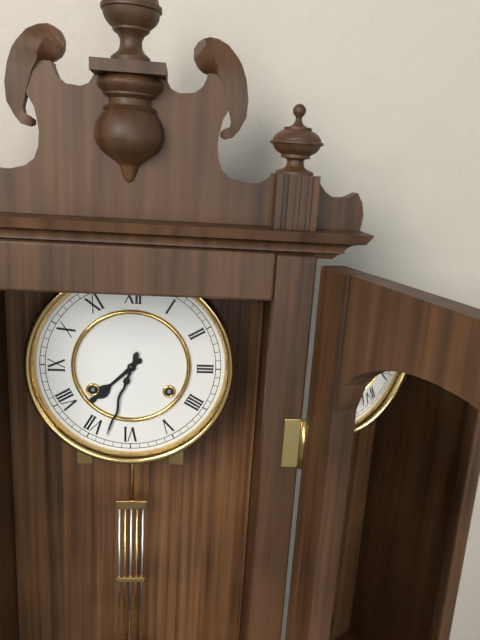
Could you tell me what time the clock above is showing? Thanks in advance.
7:33
